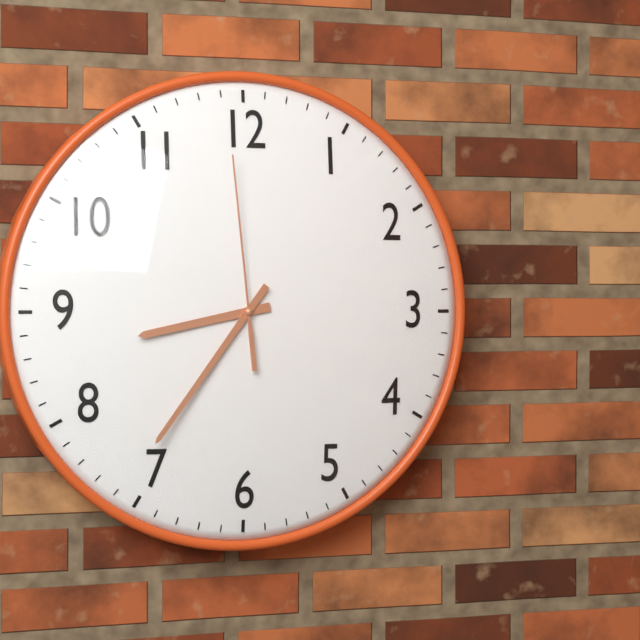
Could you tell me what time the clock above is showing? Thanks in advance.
8:36:59
